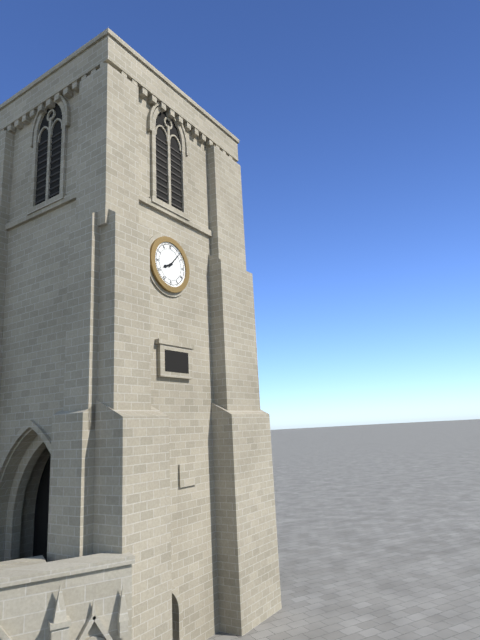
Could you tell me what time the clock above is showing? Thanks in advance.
8:07
